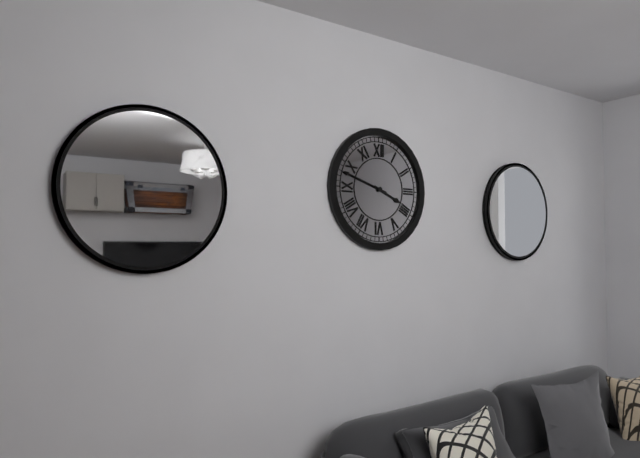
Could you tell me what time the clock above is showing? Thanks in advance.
3:48
